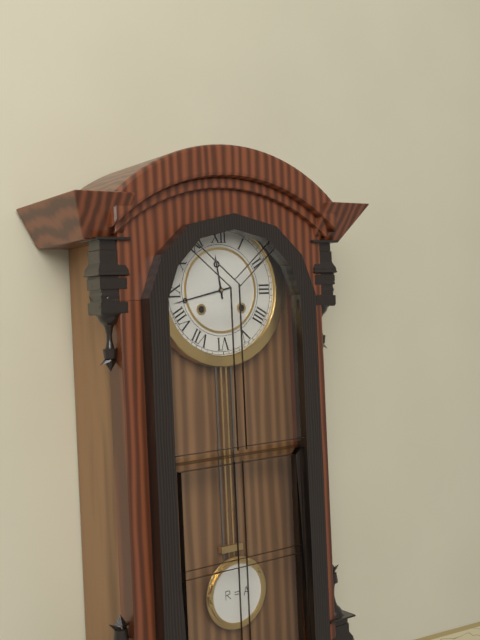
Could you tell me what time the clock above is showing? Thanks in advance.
11:43
